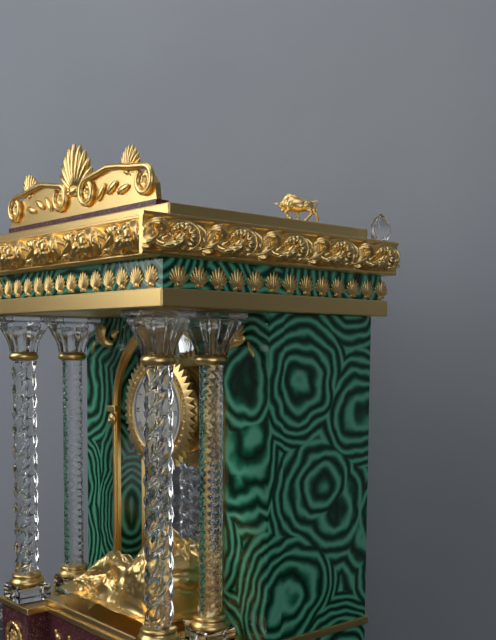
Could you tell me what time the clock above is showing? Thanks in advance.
3:38
